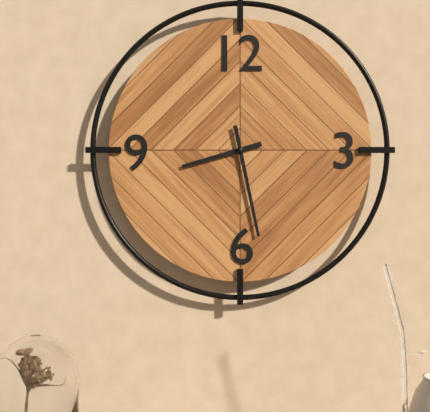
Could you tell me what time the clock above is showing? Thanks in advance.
8:28
